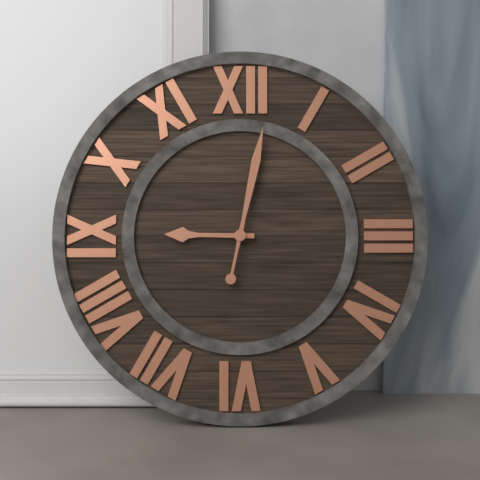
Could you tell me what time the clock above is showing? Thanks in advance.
9:02
